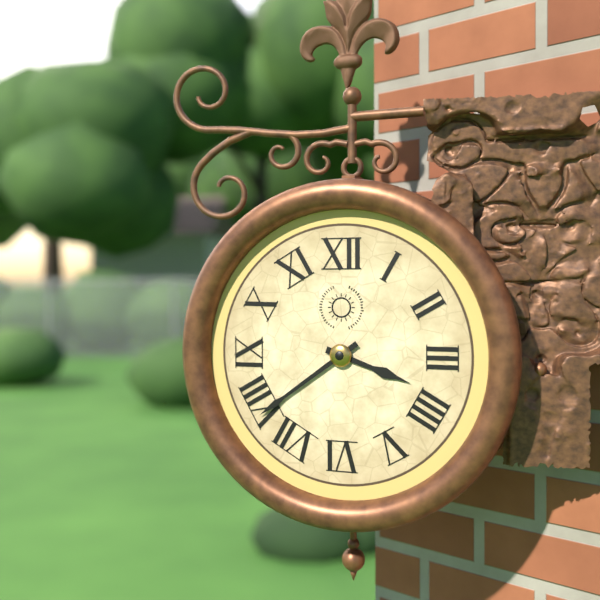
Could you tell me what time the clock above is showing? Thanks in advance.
3:39
